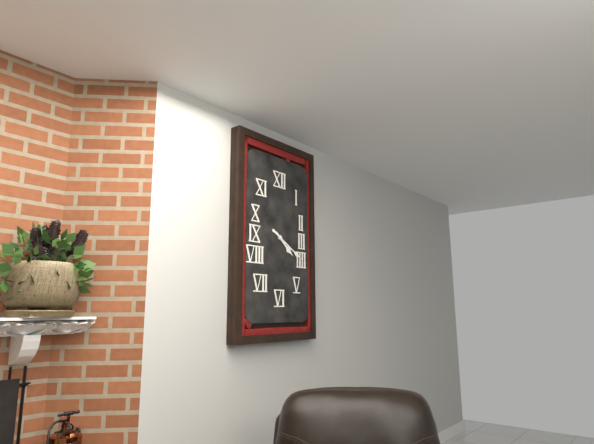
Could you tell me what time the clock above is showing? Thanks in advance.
4:20
